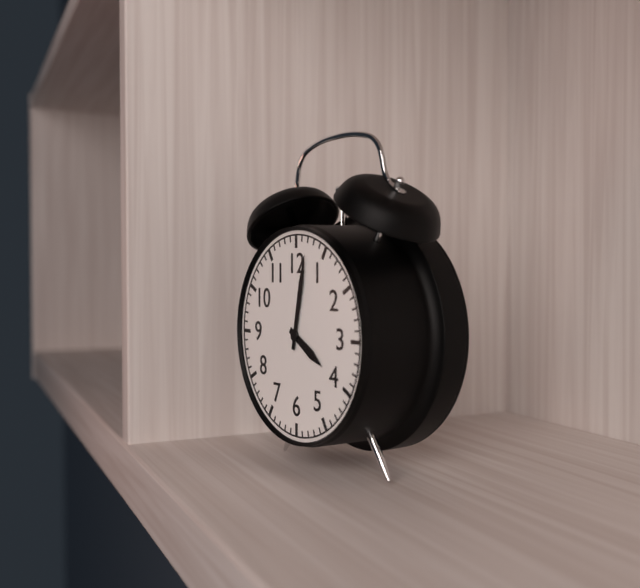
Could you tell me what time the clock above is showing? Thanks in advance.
4:02
